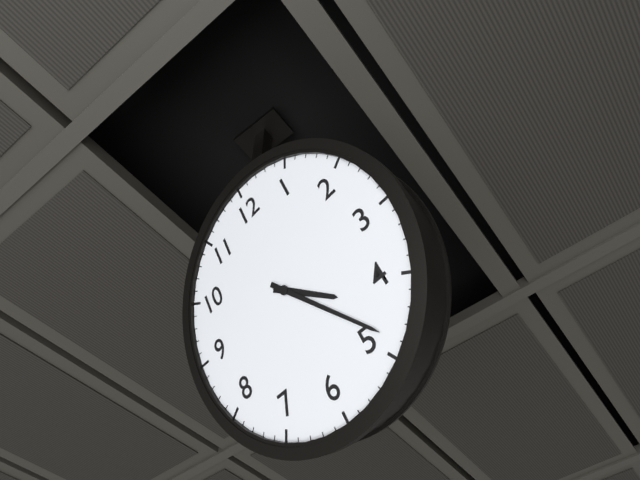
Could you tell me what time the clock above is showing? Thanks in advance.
4:24
